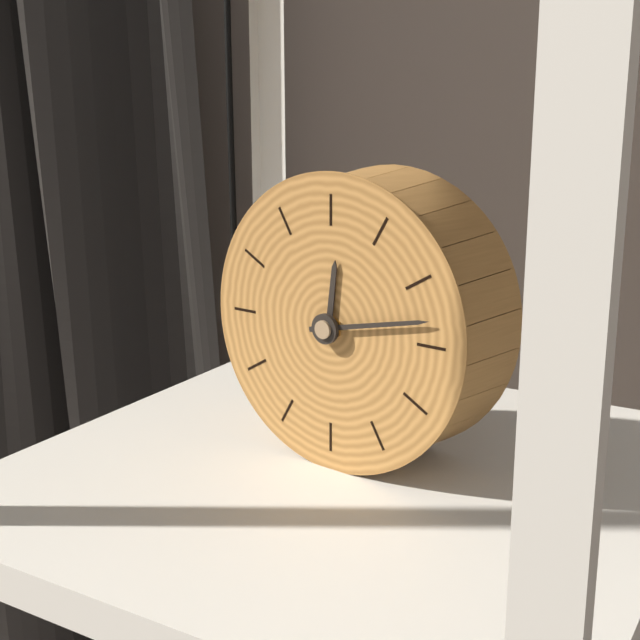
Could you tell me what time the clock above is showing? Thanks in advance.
12:13
